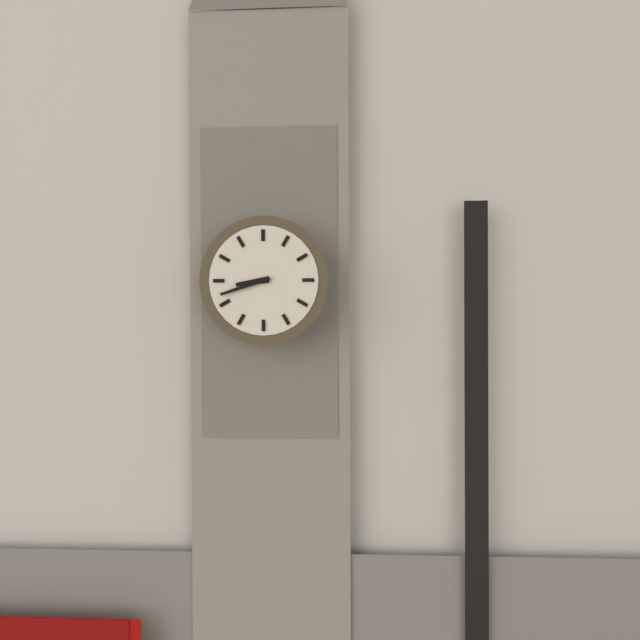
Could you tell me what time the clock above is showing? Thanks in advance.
8:42
